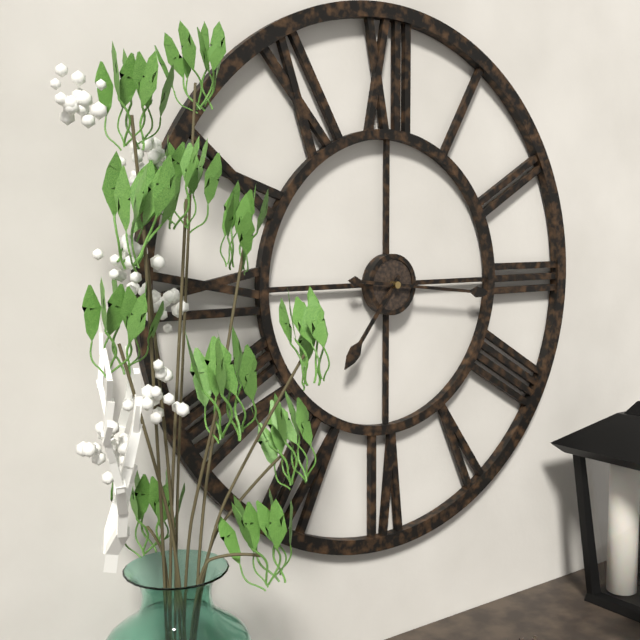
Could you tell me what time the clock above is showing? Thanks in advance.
7:16
